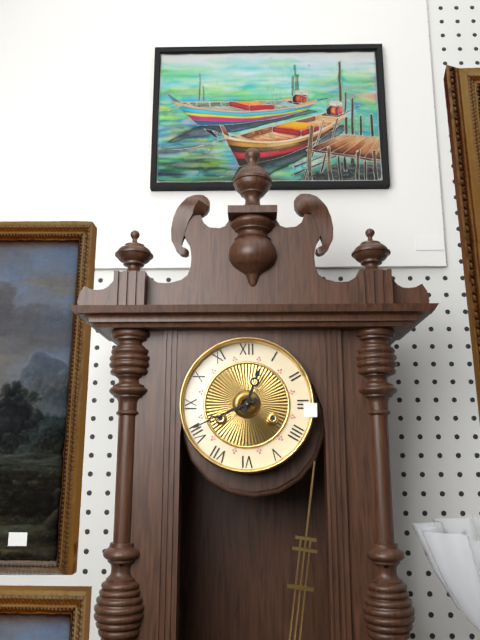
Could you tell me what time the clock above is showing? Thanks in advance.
12:41
